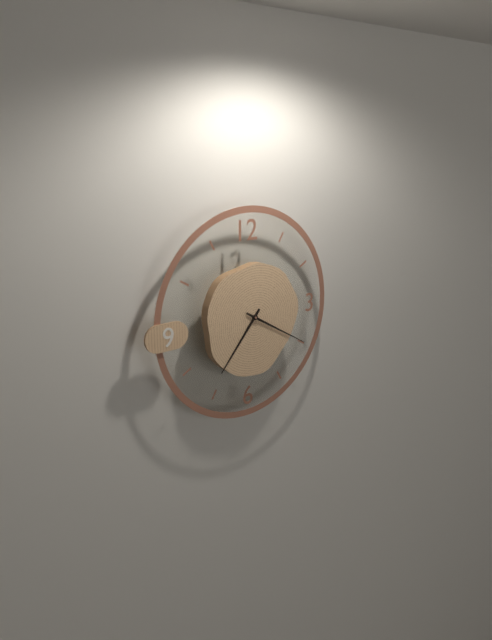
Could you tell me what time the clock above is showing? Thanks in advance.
7:20
